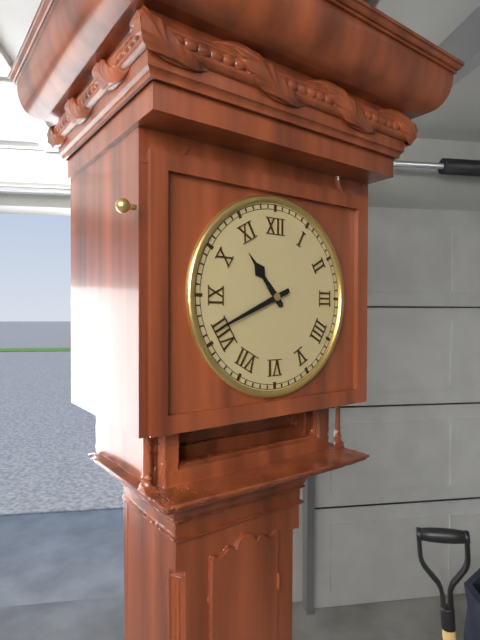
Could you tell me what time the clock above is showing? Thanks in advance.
10:41
